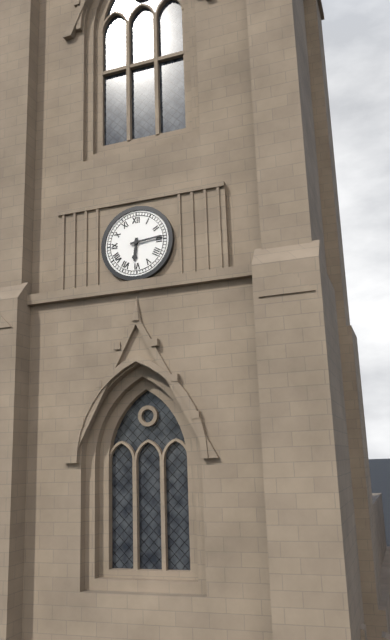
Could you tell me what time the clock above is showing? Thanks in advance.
6:14
